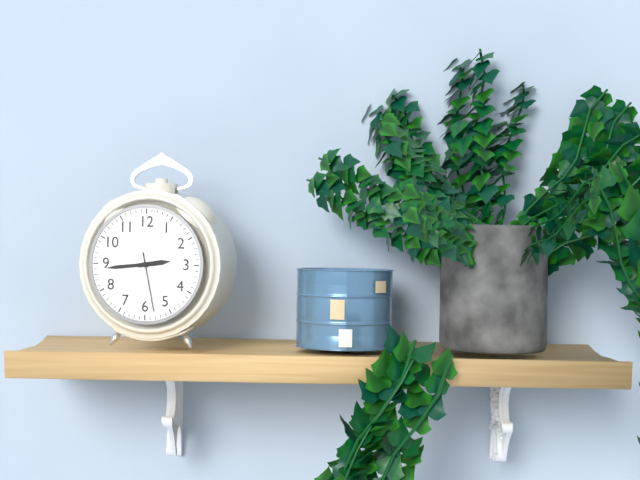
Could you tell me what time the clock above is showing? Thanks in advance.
2:44:28
